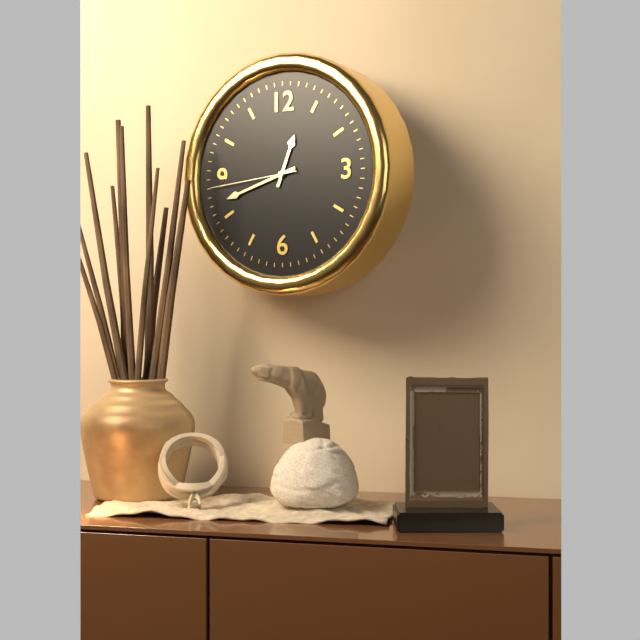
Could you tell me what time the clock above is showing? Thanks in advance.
12:42:44
